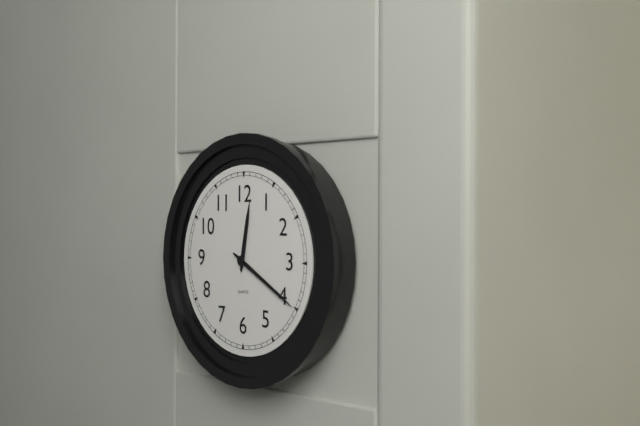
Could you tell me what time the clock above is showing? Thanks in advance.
12:20
